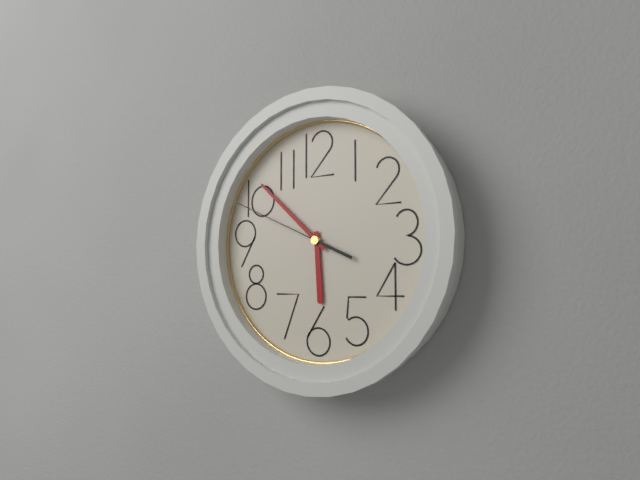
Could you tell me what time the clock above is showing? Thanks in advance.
5:52:49
